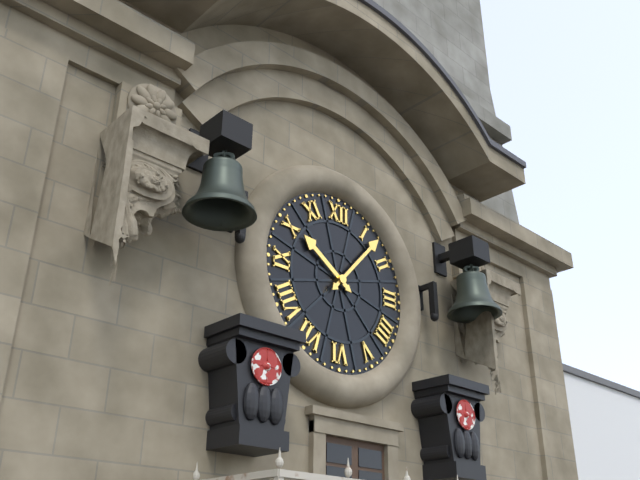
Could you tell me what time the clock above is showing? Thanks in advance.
10:07
